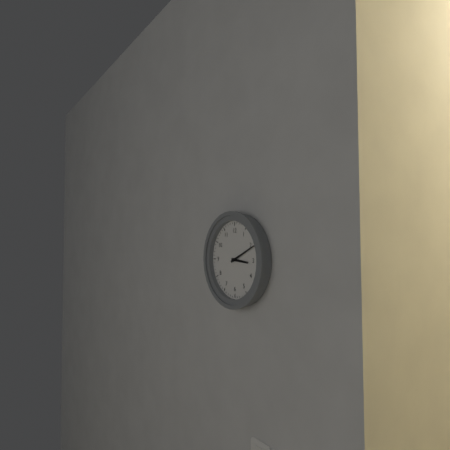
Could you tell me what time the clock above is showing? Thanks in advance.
3:11
